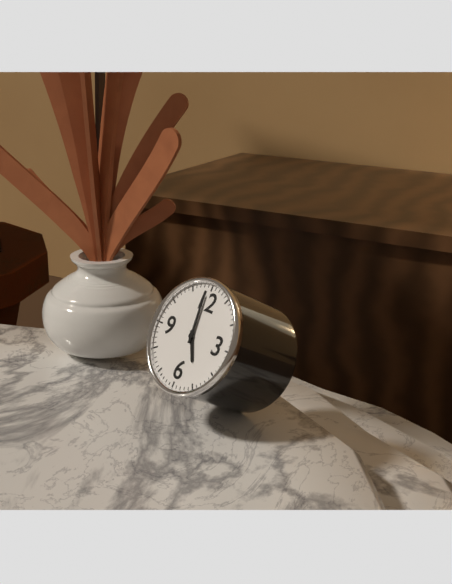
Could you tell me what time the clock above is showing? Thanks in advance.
4:59
